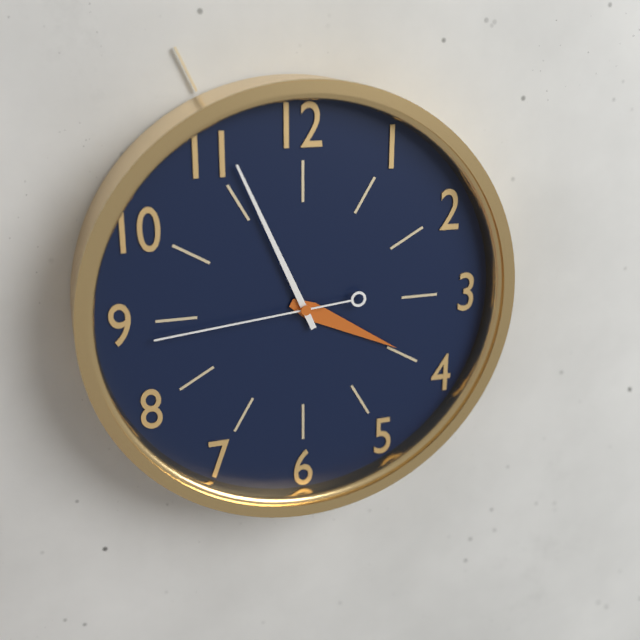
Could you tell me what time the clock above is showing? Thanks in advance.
3:56:44
